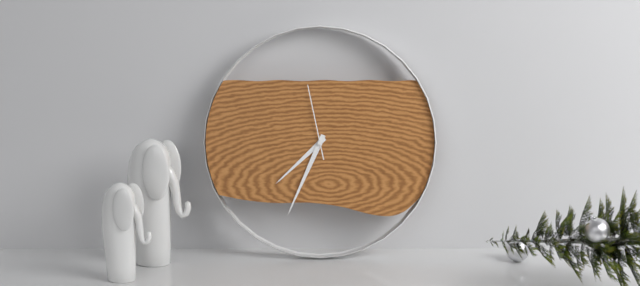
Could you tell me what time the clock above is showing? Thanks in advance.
7:34:58
